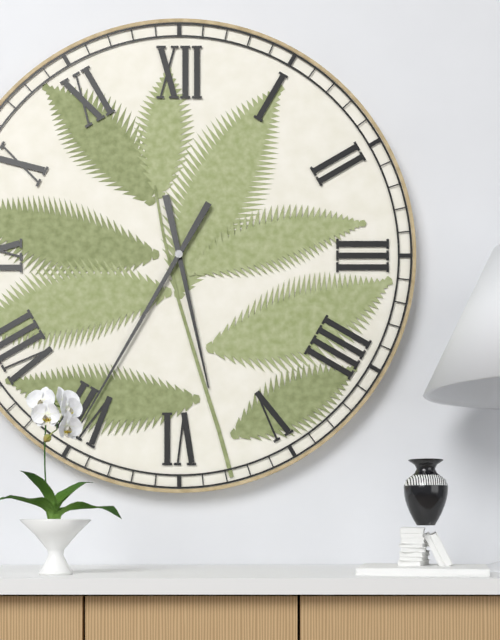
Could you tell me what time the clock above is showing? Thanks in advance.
5:35
